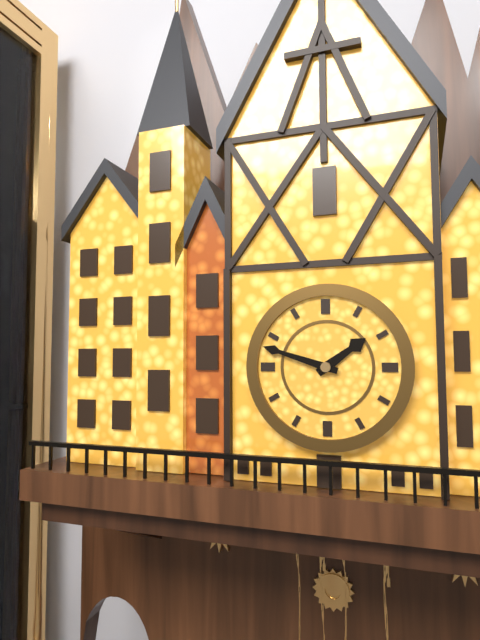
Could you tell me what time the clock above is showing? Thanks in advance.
1:48
